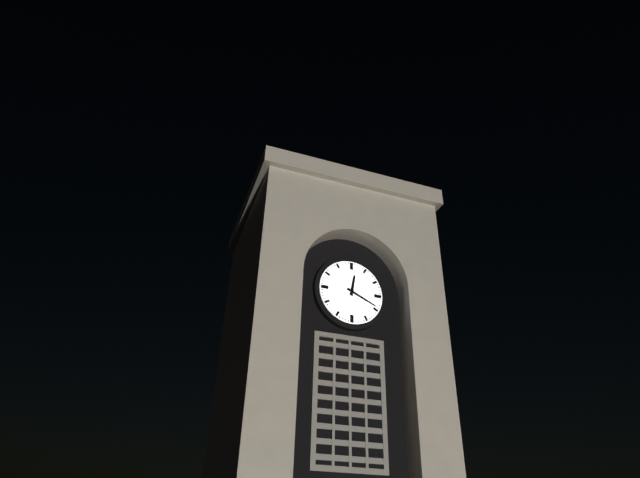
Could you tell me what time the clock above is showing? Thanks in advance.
12:19
